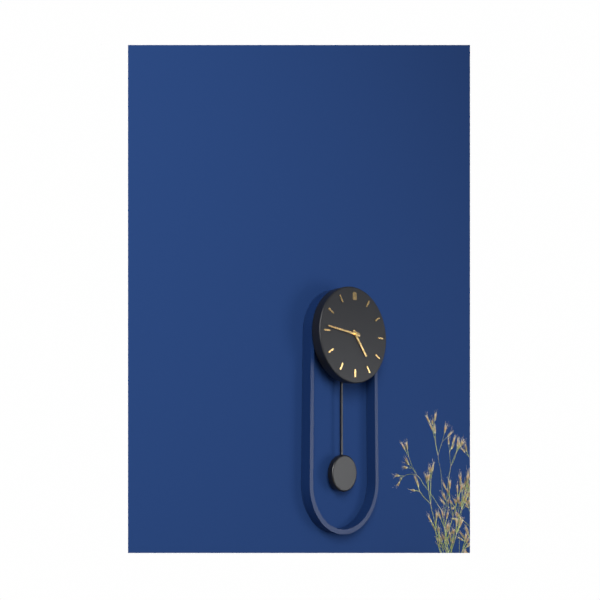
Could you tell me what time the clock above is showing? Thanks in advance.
4:46
